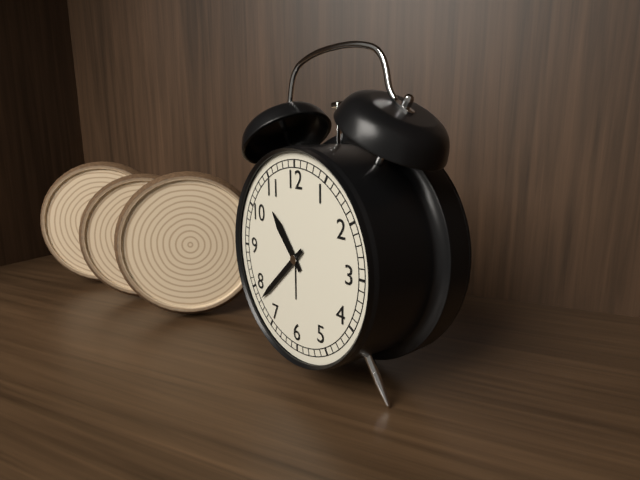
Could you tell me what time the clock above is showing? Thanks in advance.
10:38
